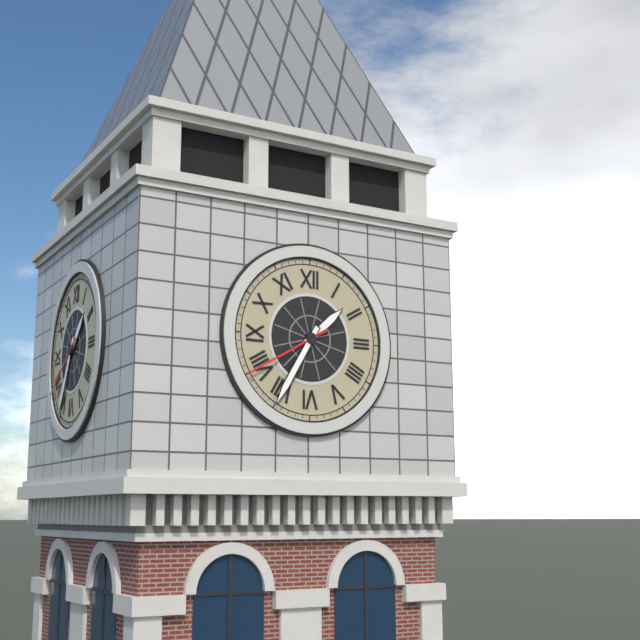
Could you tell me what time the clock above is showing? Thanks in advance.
1:35:40
